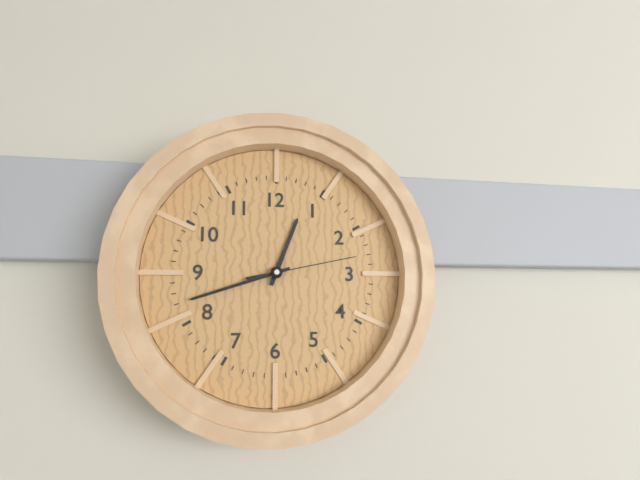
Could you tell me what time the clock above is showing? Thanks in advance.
12:42:13
